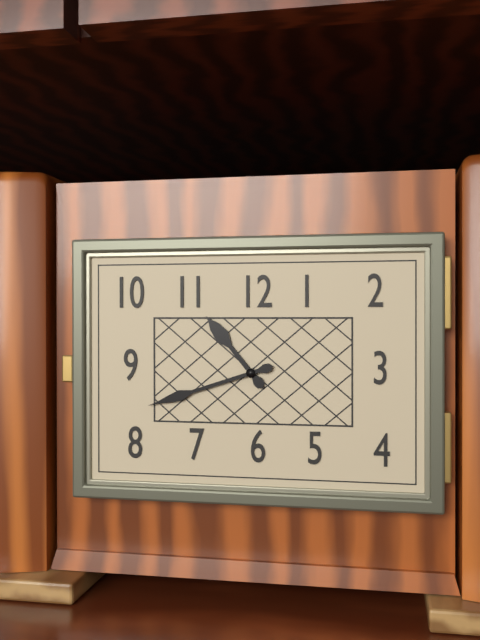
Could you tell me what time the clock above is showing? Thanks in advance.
10:42
